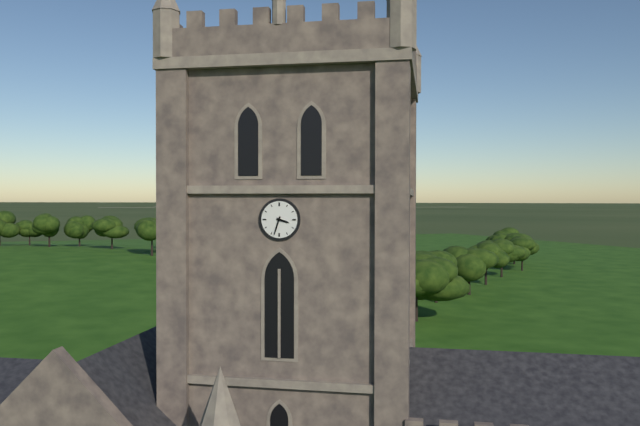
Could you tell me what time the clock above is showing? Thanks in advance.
3:33
